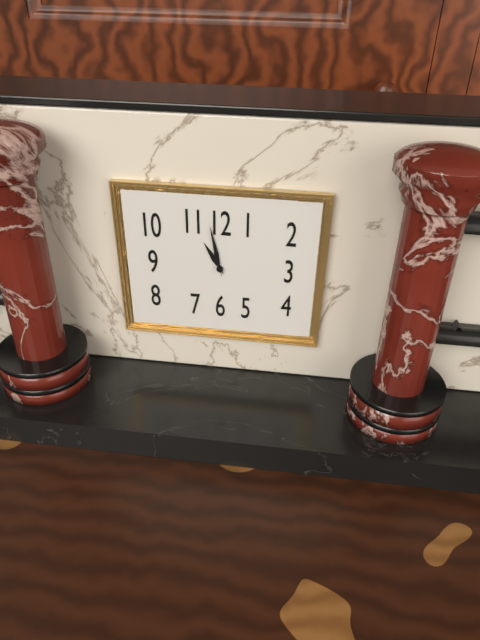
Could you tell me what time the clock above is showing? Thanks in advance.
10:58
